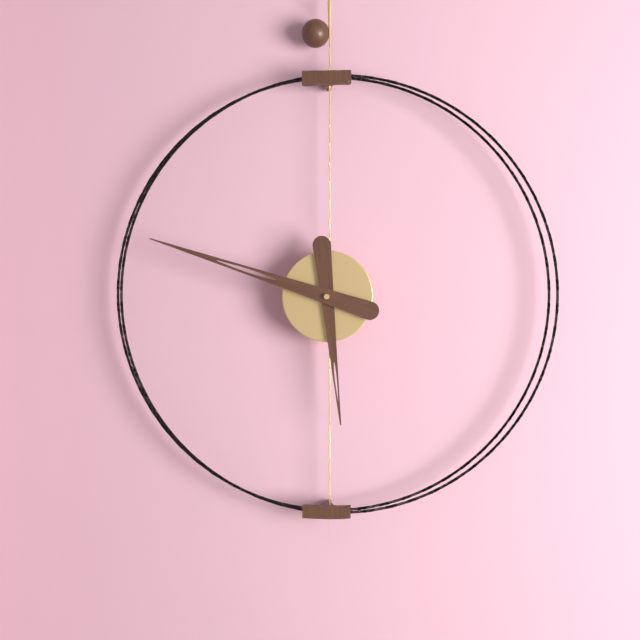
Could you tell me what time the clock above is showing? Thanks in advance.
5:48
